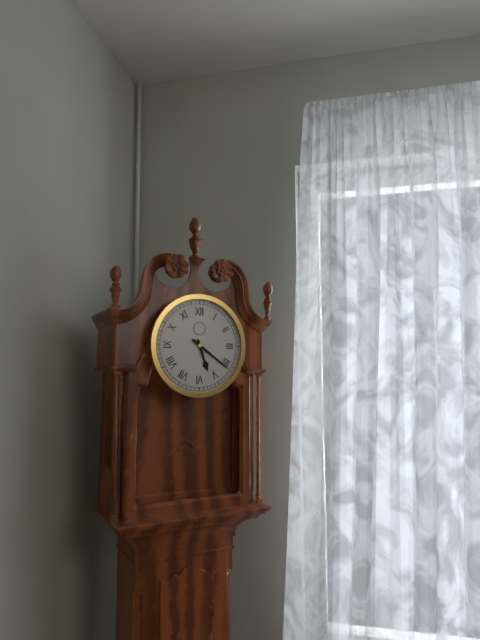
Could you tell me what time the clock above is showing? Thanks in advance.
5:21
